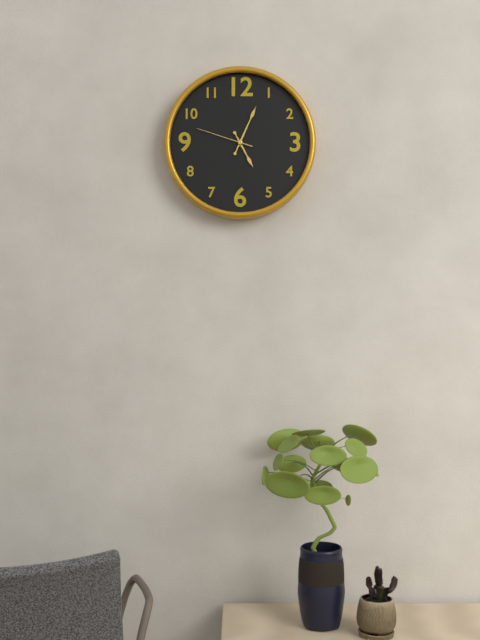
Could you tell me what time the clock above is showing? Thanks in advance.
5:04:48
